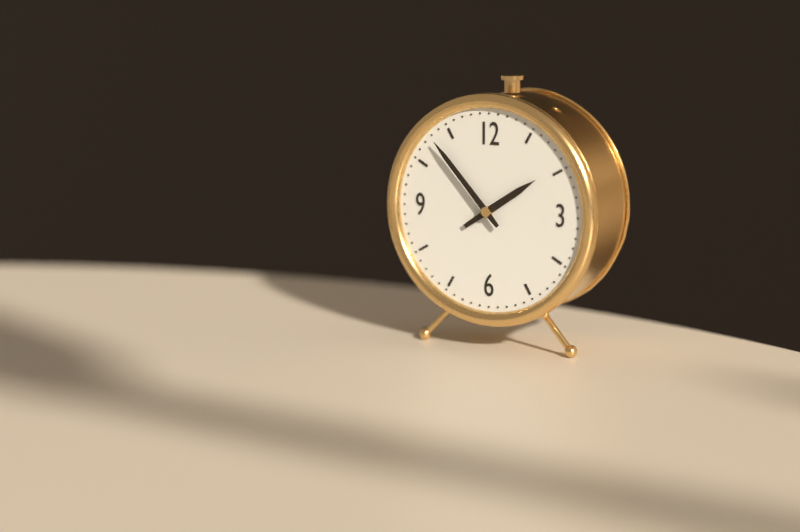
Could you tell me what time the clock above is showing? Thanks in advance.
1:53
